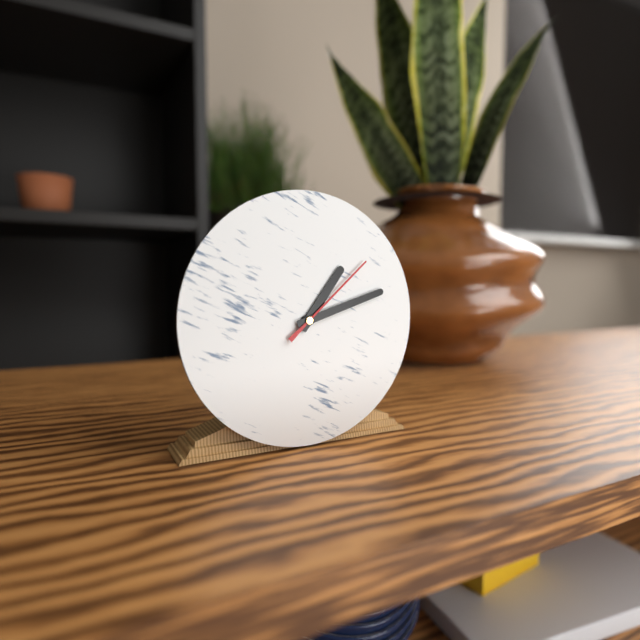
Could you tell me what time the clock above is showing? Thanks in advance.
1:12:08
